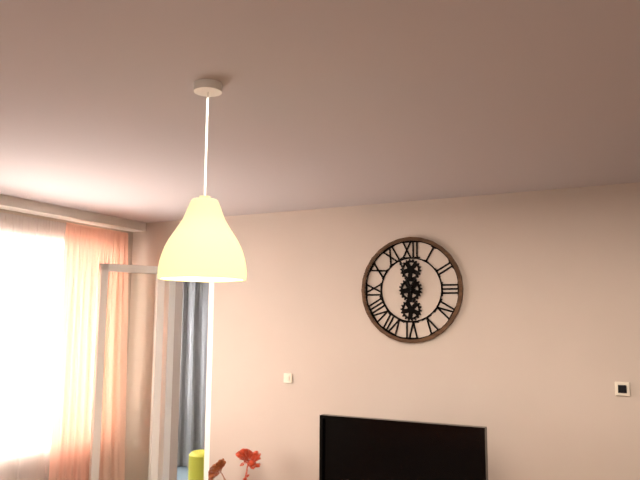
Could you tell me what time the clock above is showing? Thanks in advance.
12:57
